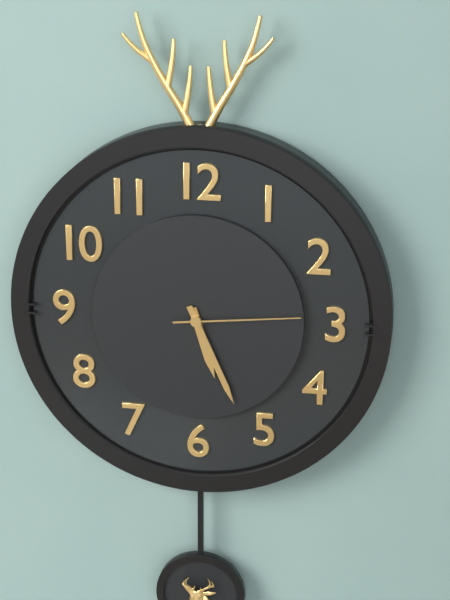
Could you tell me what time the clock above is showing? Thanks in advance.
5:26:14
